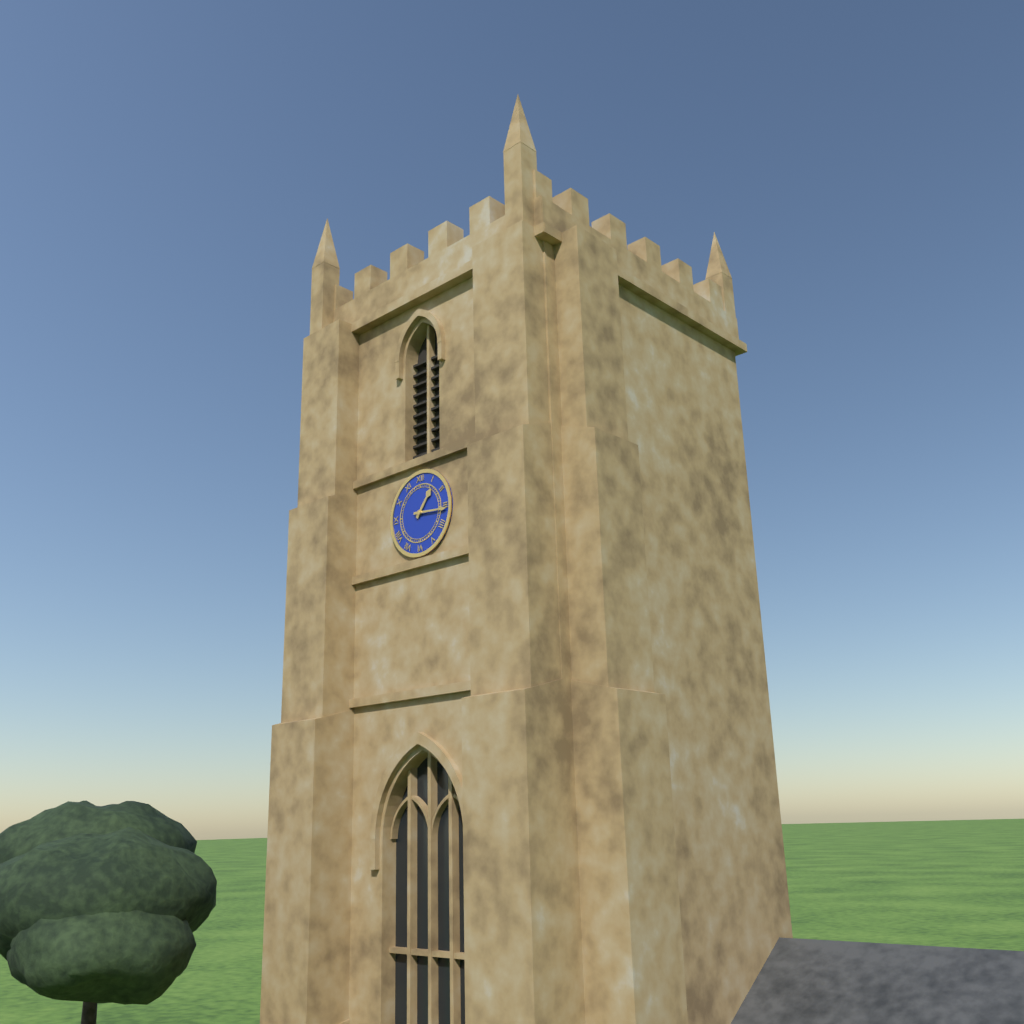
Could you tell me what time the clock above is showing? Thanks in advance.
1:16
